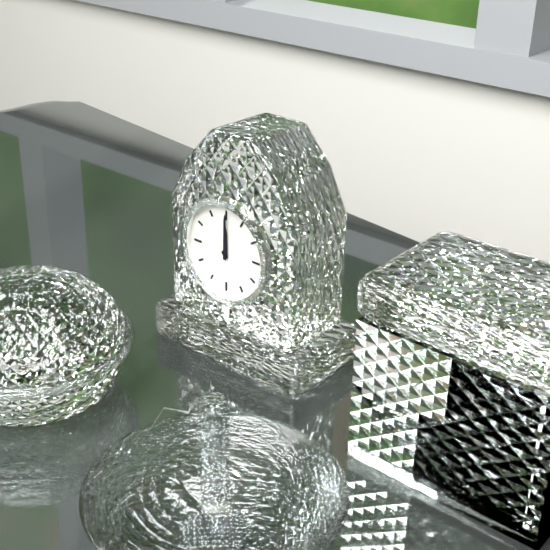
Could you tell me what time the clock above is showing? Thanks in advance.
12:00
